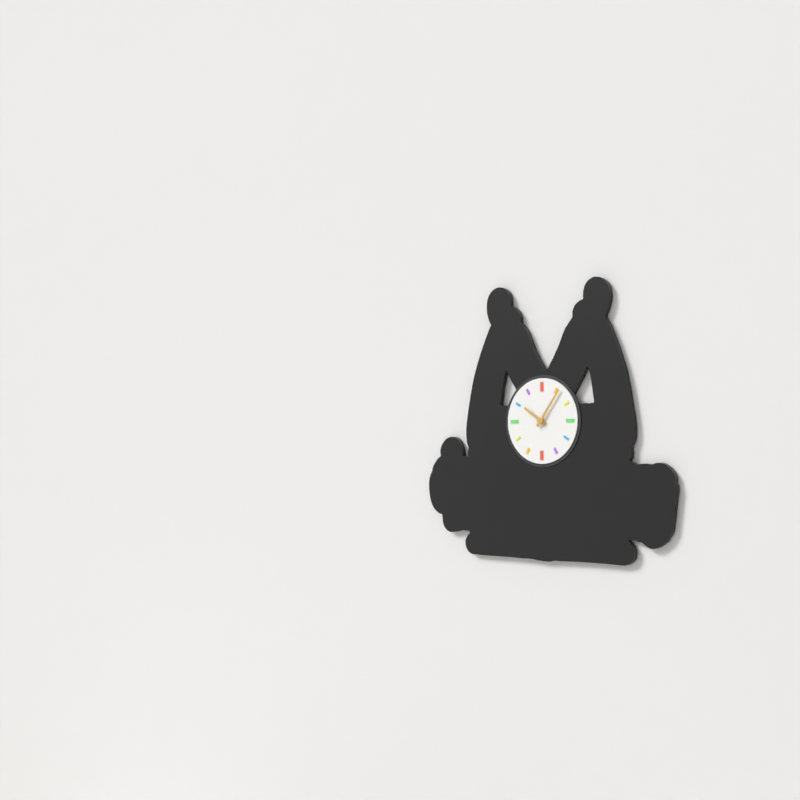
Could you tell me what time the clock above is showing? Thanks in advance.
10:06
